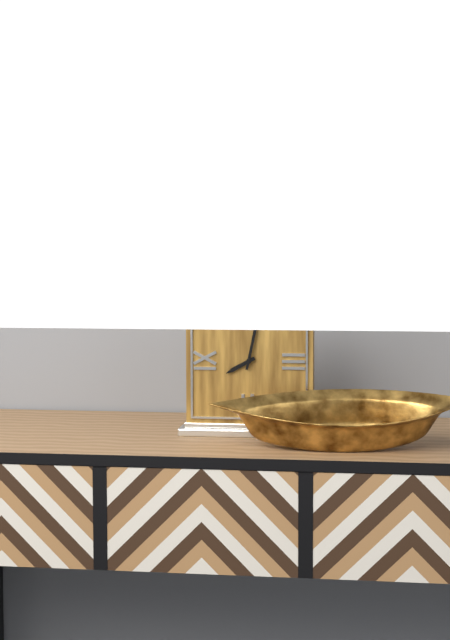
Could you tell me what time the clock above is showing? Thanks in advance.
8:02
